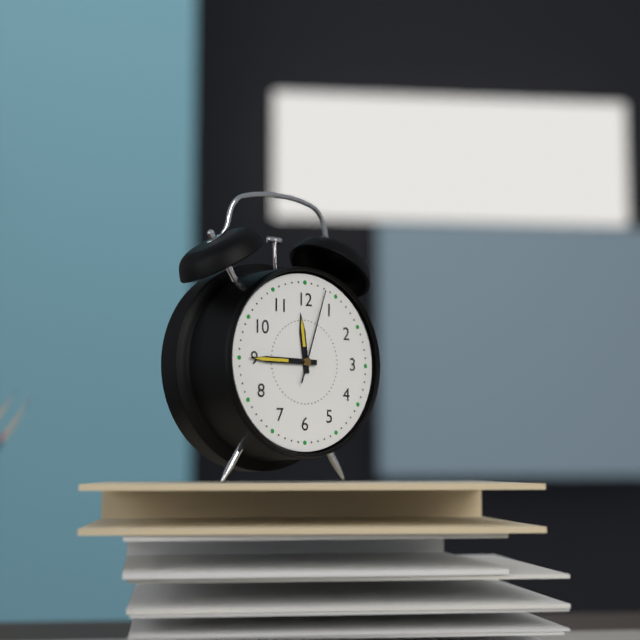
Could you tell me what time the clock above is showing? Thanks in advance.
11:45:03
